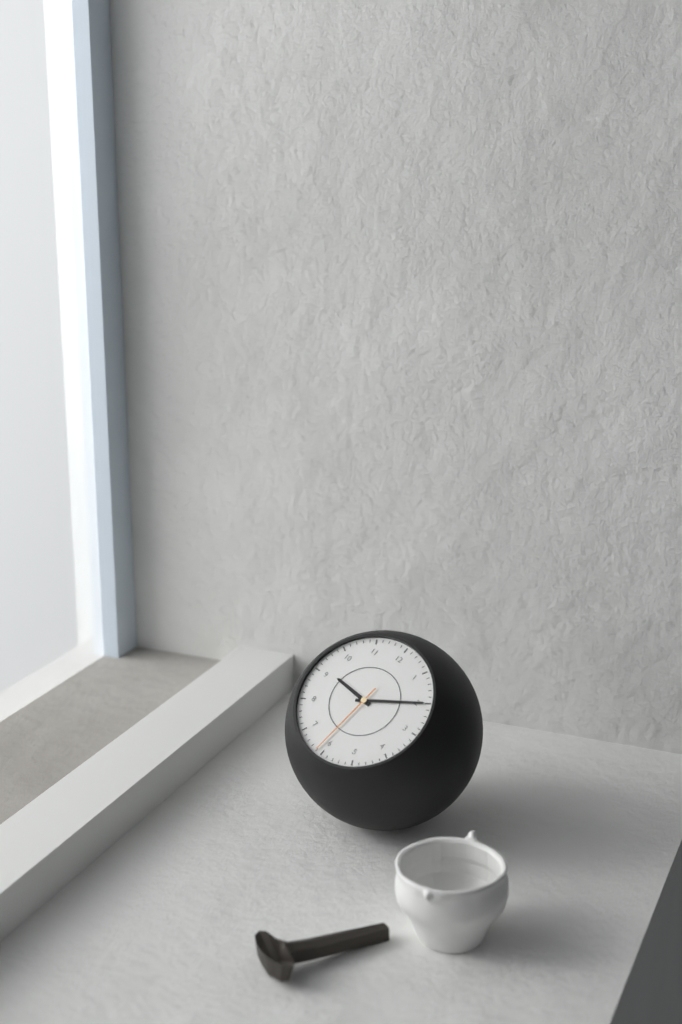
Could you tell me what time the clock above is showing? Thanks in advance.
9:10:31
